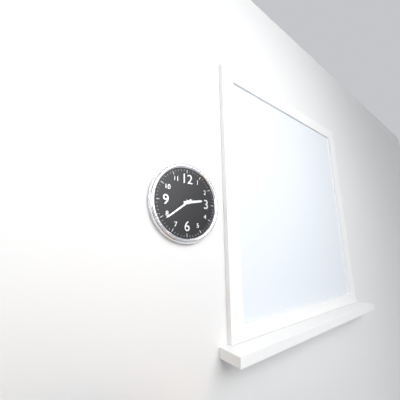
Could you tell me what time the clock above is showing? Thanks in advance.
2:39
